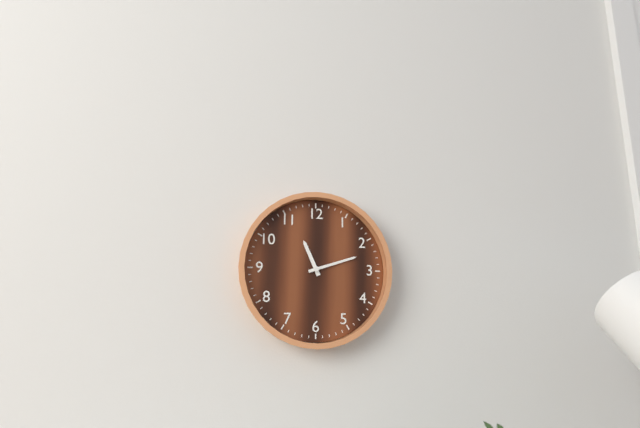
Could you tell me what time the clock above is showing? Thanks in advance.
11:12
